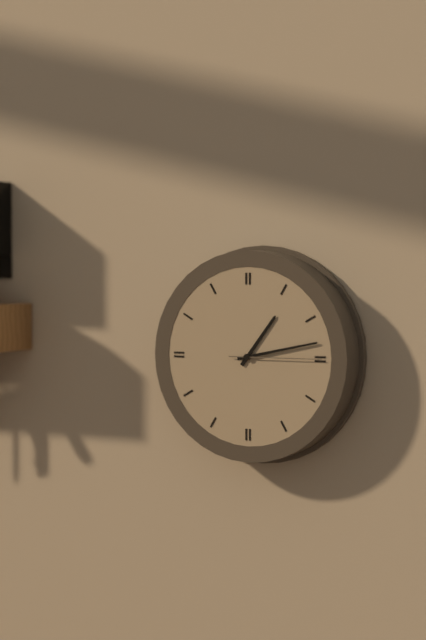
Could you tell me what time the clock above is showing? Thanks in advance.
1:13:15
